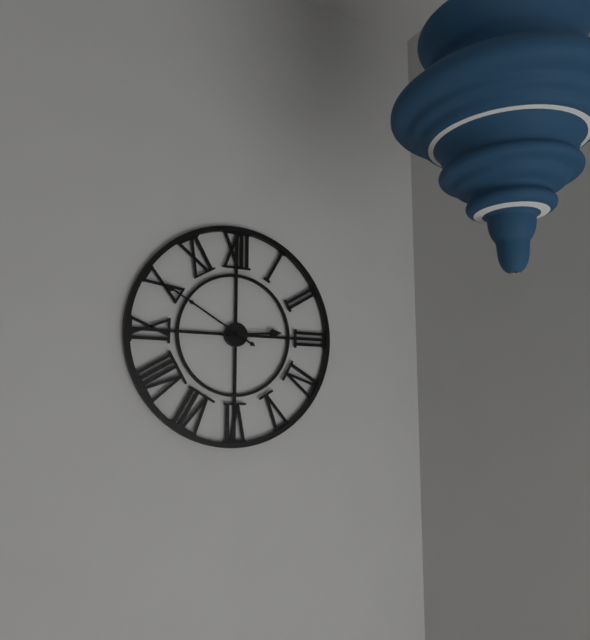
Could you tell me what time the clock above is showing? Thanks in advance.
2:50
